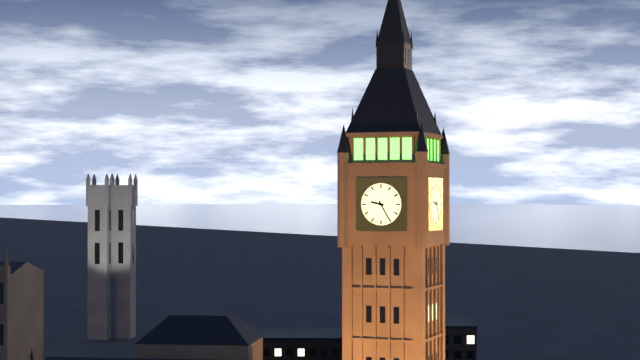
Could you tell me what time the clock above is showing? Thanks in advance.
9:25
